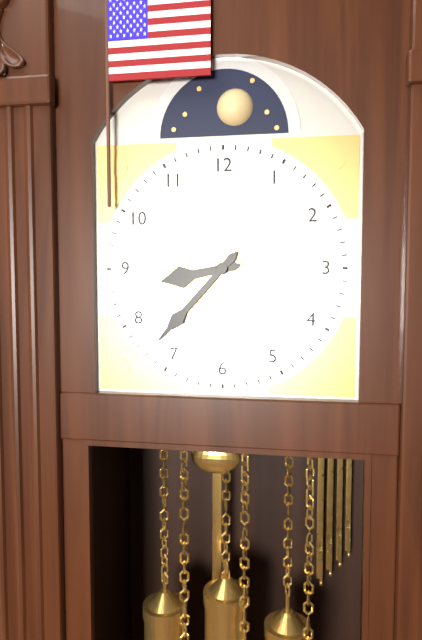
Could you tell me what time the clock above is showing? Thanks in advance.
8:37
